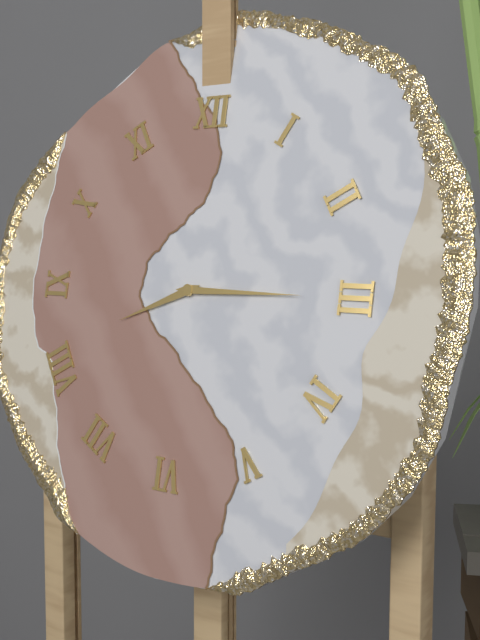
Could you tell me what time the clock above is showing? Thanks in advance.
8:15
